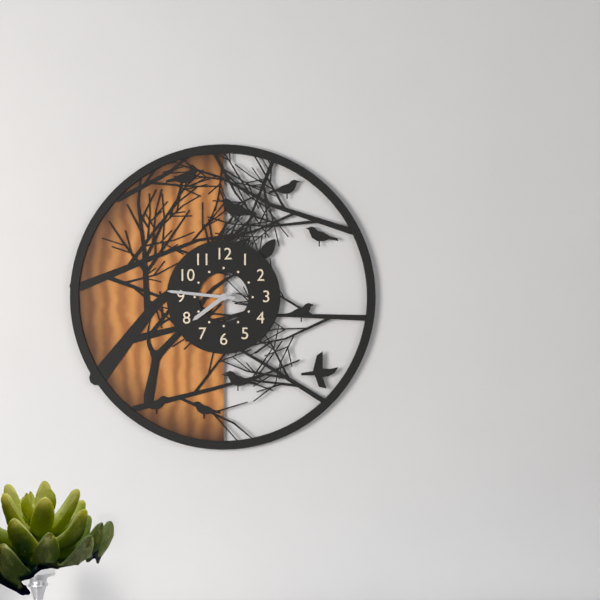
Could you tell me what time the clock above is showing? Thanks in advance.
7:46
